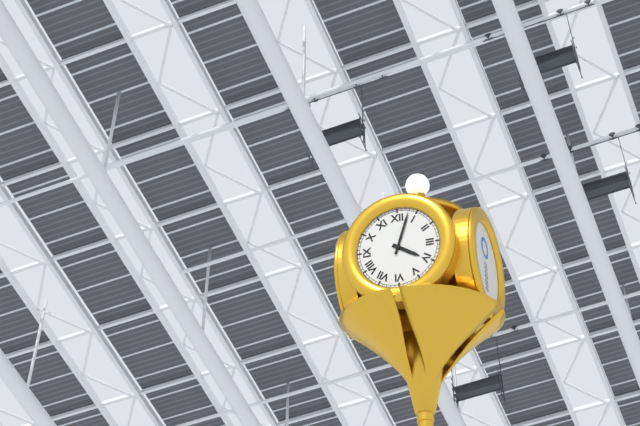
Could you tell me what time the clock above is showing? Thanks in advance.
4:03
